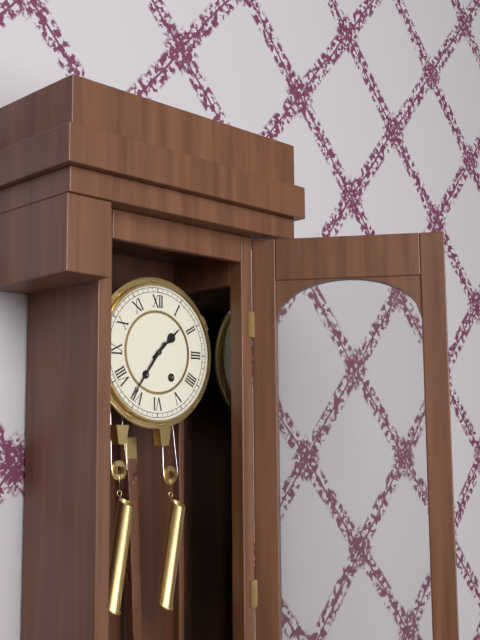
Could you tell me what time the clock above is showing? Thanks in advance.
1:36
